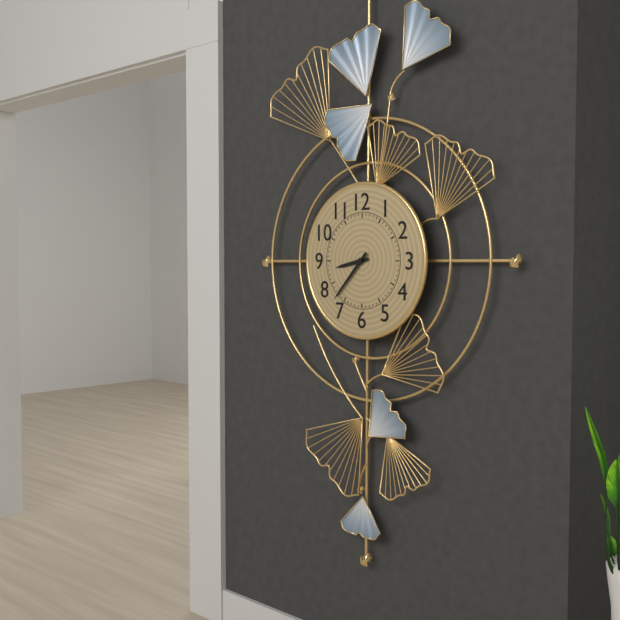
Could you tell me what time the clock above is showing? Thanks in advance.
8:37
